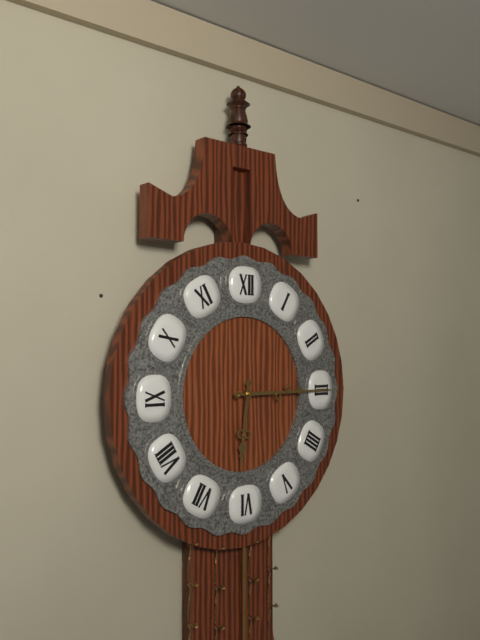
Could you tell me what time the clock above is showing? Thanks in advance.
6:15
